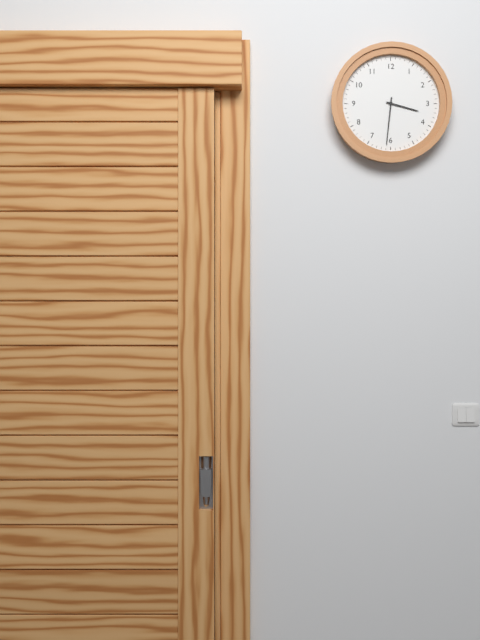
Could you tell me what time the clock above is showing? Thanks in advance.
3:31
